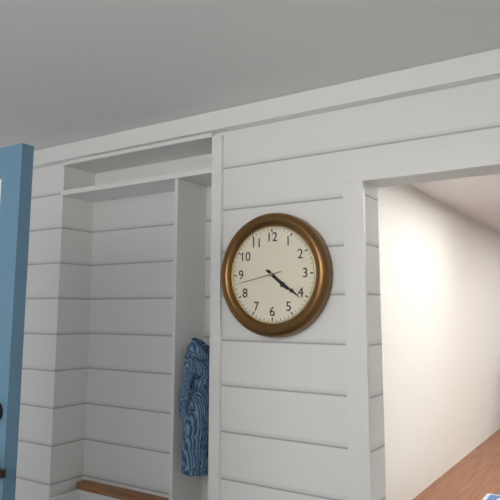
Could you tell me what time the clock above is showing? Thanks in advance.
4:21
